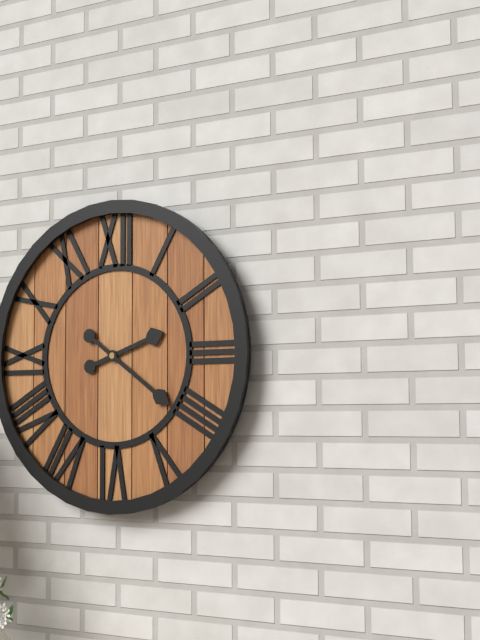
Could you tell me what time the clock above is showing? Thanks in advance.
2:21
